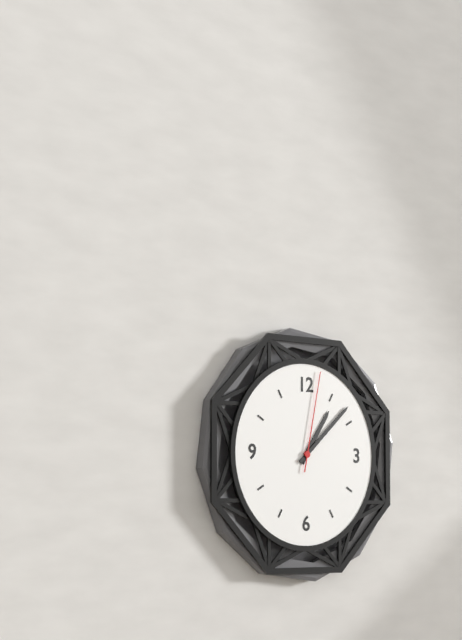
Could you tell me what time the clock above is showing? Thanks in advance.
1:08:02
